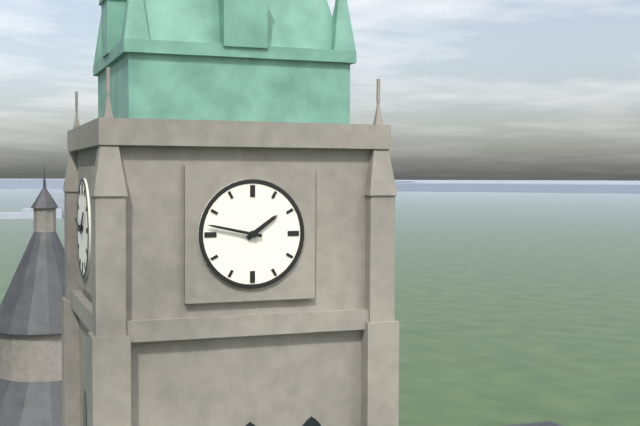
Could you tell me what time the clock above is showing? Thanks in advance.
1:47
